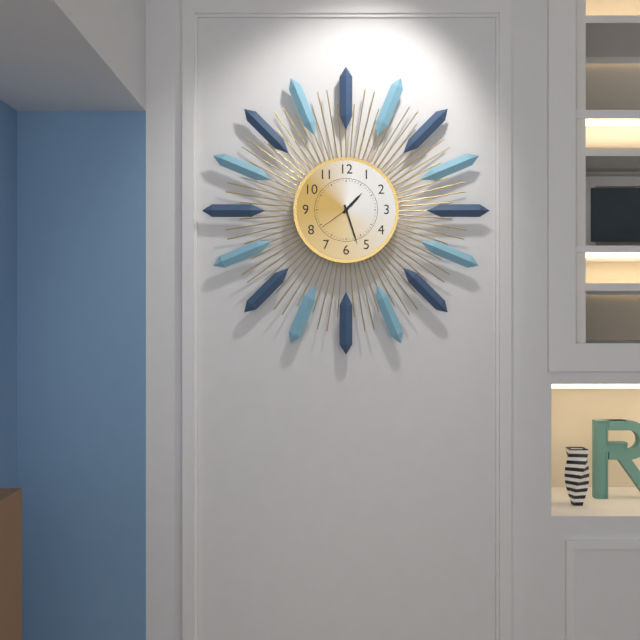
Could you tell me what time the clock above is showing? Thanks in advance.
1:27
